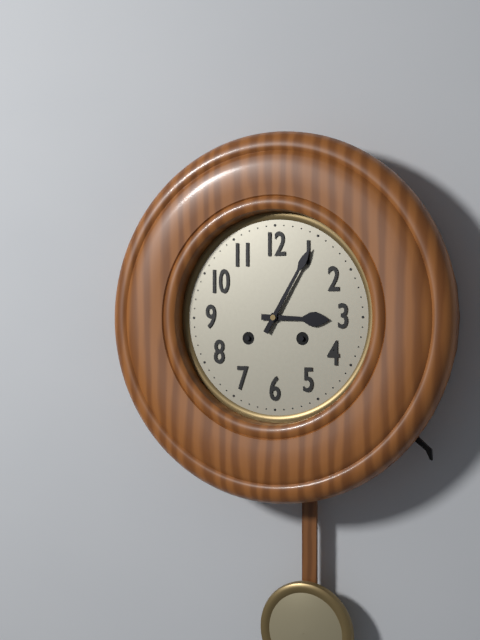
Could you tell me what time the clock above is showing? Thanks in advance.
3:05
